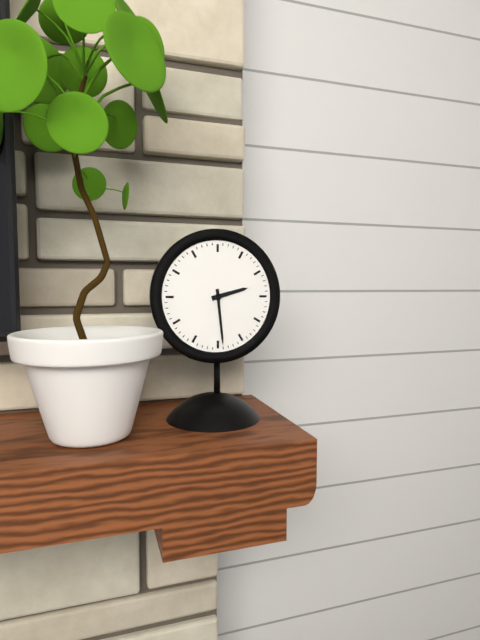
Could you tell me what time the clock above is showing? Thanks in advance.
2:29
